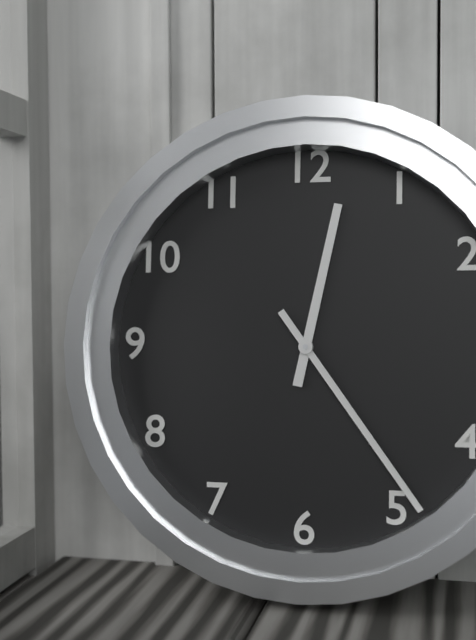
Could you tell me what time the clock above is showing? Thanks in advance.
12:24
